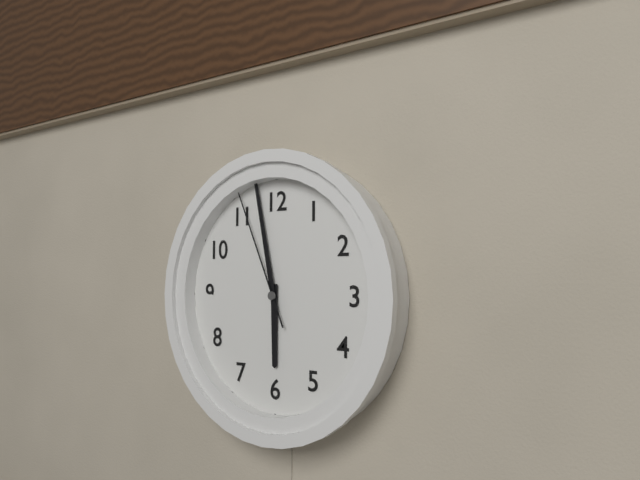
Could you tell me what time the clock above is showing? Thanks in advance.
5:58:56
